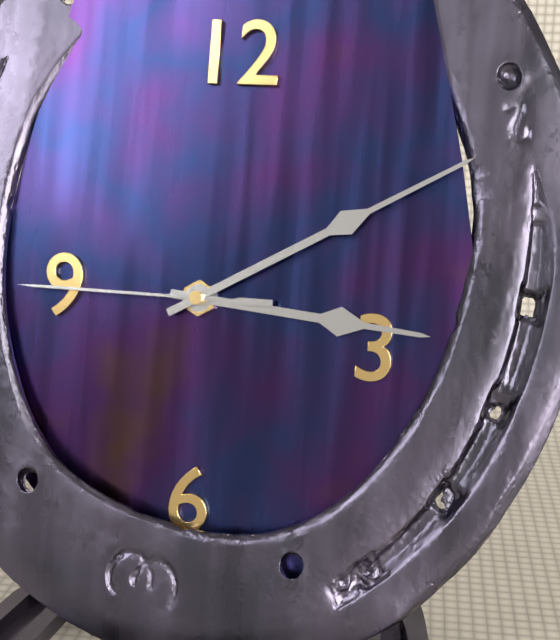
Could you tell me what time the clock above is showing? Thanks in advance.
3:10:45
